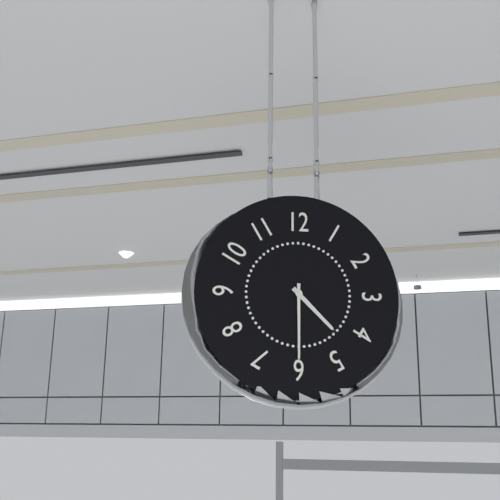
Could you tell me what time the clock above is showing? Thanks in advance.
4:30
